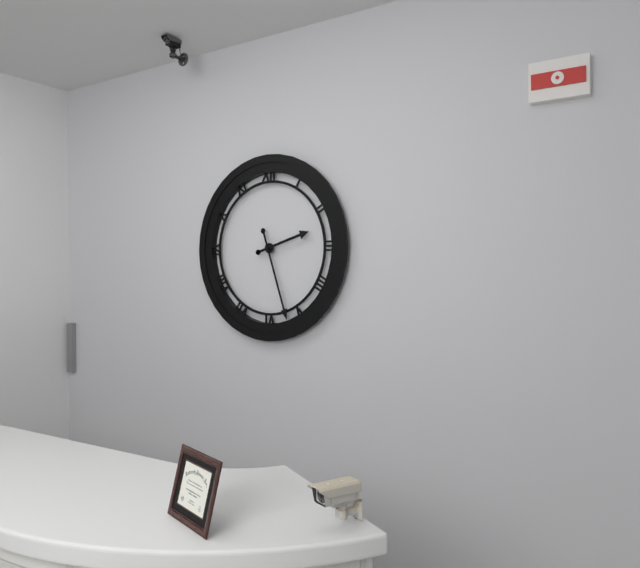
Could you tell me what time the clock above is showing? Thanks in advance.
2:27
